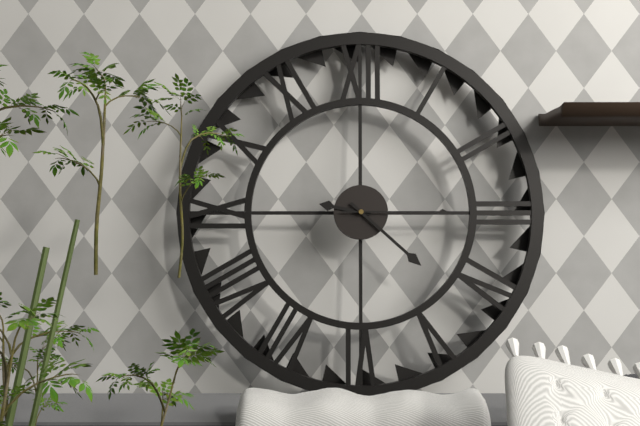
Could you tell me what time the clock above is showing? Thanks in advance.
9:22:15
